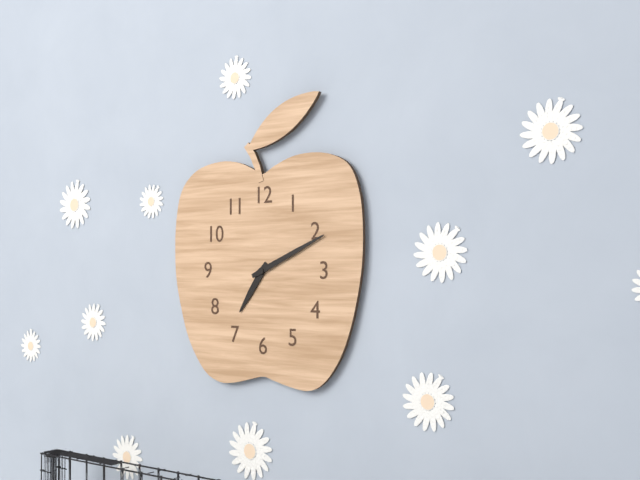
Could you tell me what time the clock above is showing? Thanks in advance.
7:11
